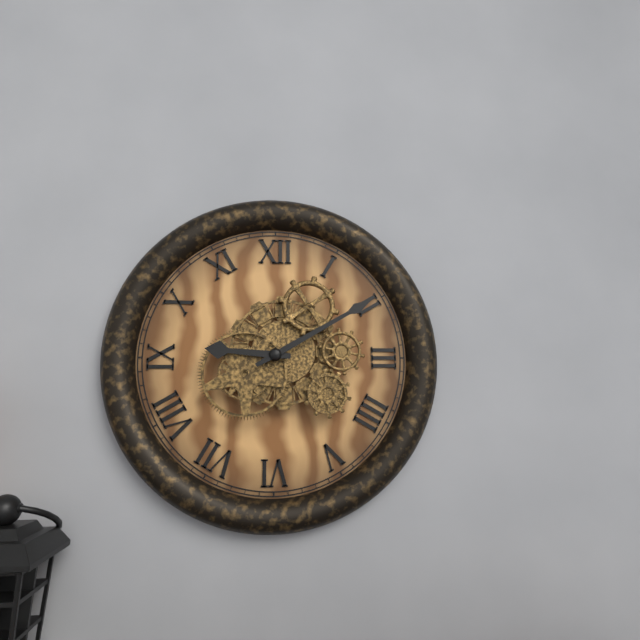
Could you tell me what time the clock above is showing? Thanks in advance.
9:10
